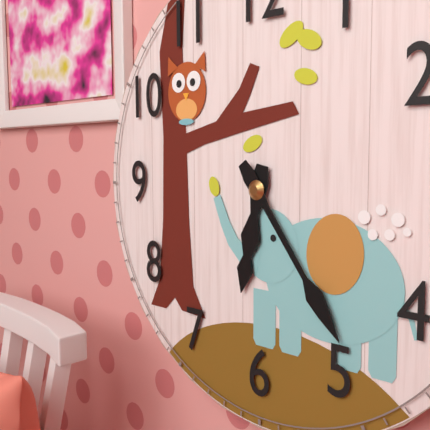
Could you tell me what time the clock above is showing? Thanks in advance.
6:24
